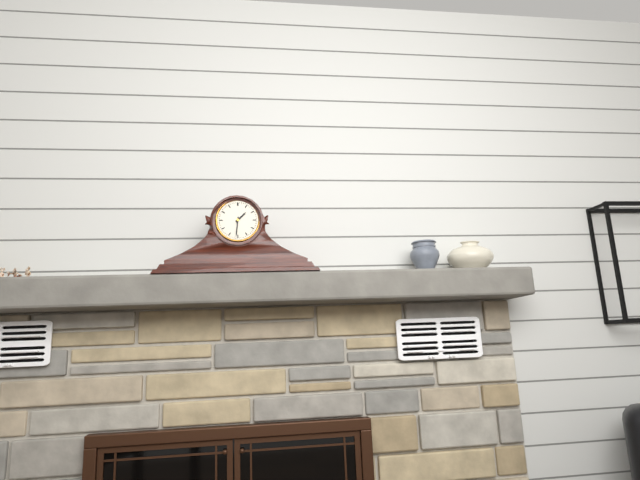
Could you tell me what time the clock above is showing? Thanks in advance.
1:31
